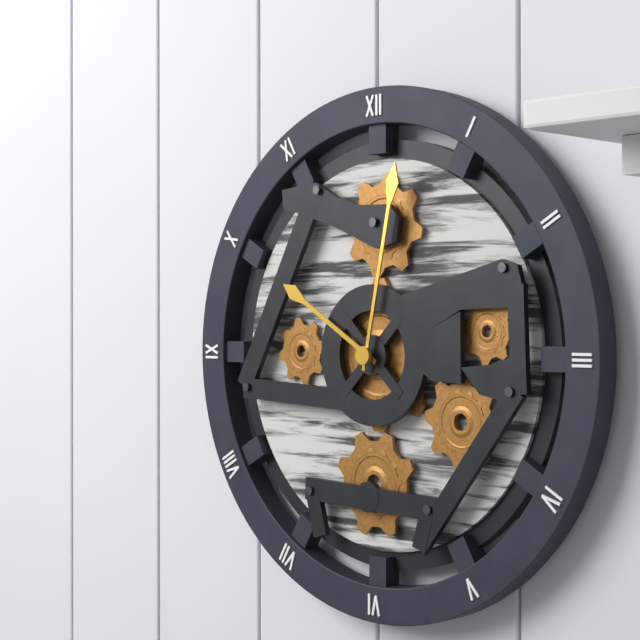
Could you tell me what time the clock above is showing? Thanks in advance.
10:02
